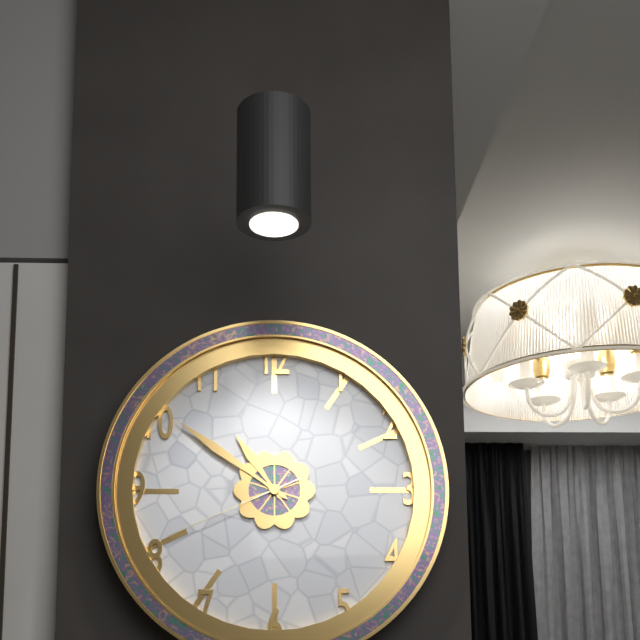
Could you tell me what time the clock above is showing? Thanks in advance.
10:51:41
